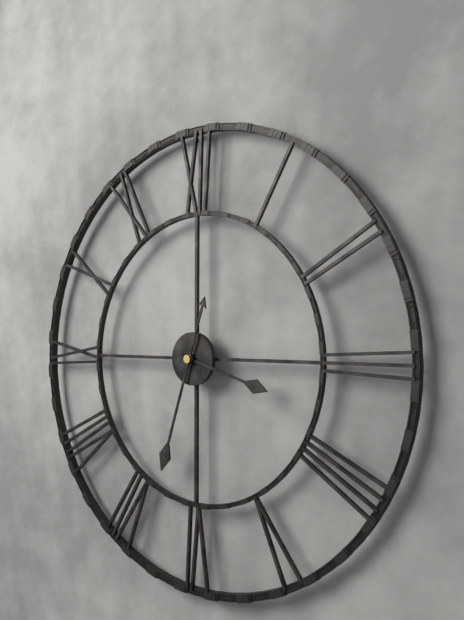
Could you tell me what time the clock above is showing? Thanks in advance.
3:33
